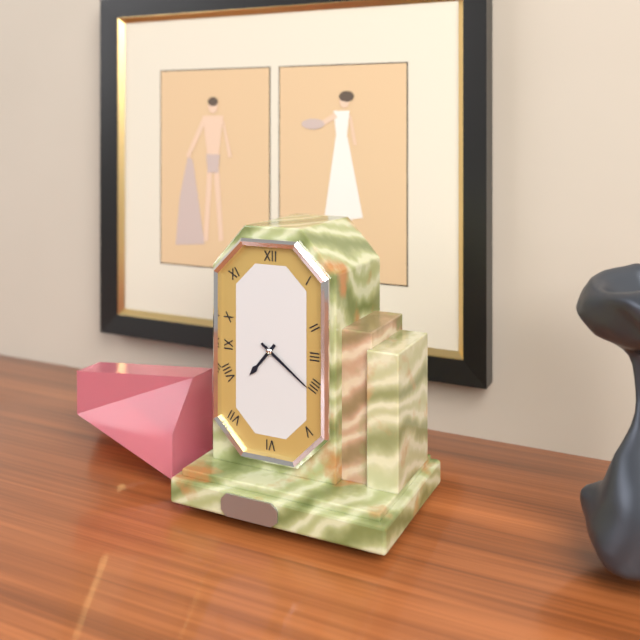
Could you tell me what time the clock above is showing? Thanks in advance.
7:21
